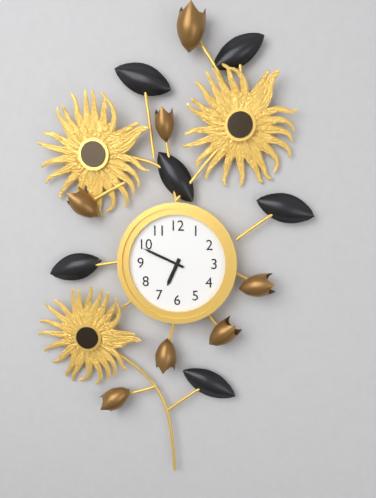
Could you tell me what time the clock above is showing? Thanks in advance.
6:49
